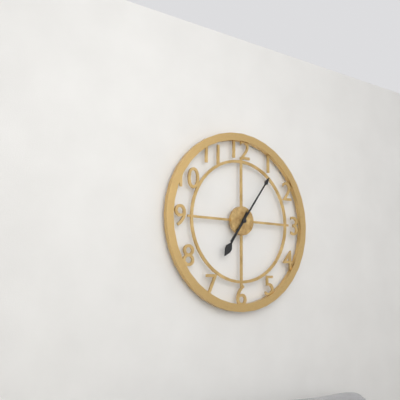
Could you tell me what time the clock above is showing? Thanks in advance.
7:06
